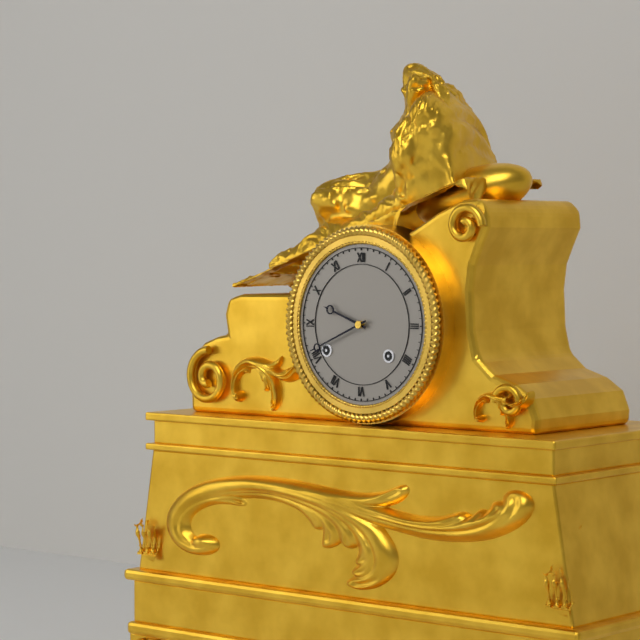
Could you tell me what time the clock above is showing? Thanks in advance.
9:41
